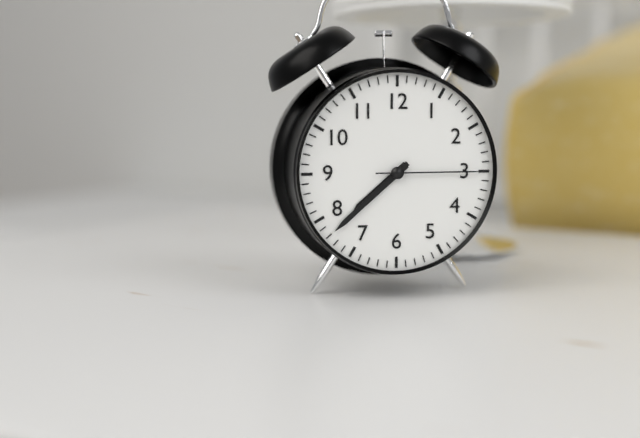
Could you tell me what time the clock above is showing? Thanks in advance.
7:38:15
